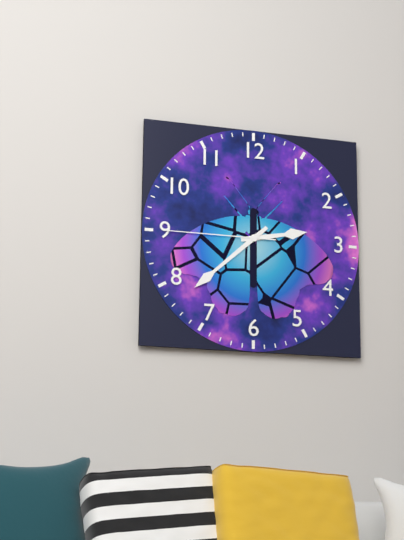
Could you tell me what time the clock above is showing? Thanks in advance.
2:38:45
